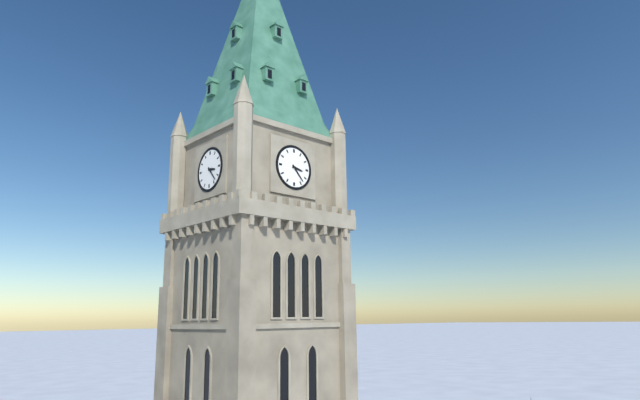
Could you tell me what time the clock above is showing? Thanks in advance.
3:23
